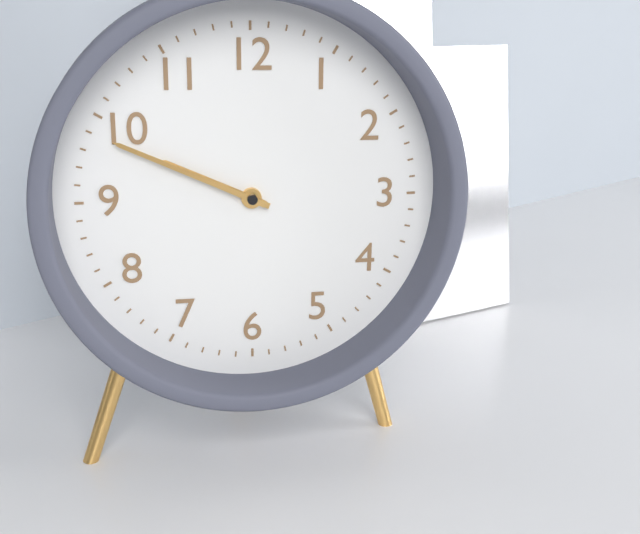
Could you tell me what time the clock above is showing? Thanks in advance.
9:49
